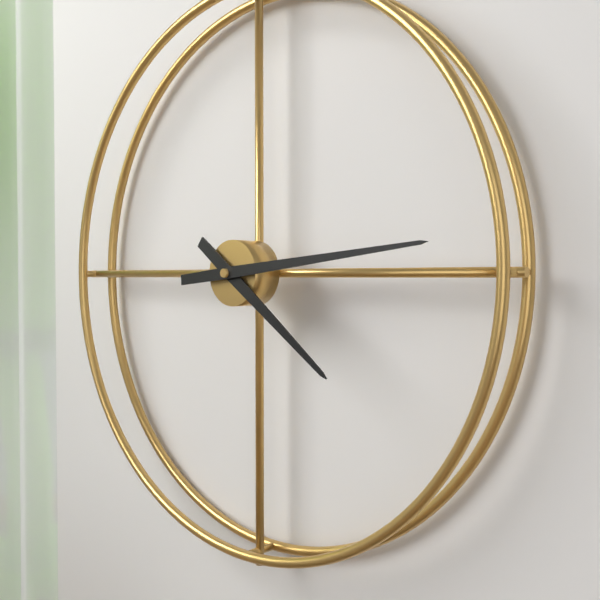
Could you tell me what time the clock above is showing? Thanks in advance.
4:14
